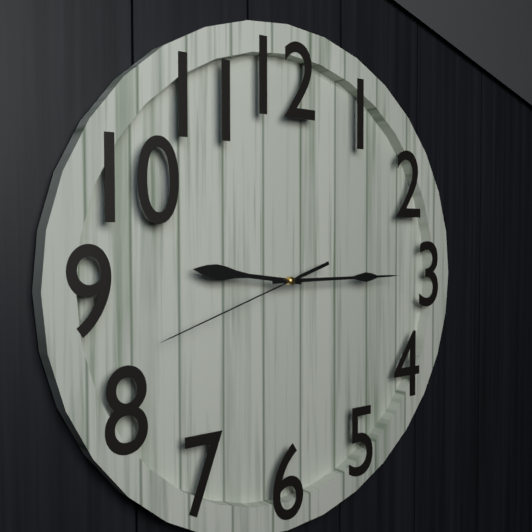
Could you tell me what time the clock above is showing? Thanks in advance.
9:15:42
